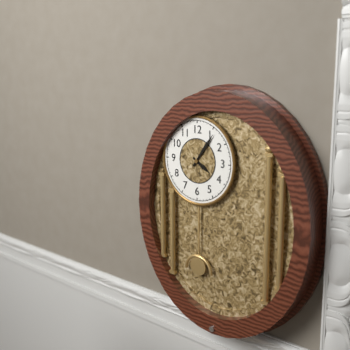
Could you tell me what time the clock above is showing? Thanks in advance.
4:06
